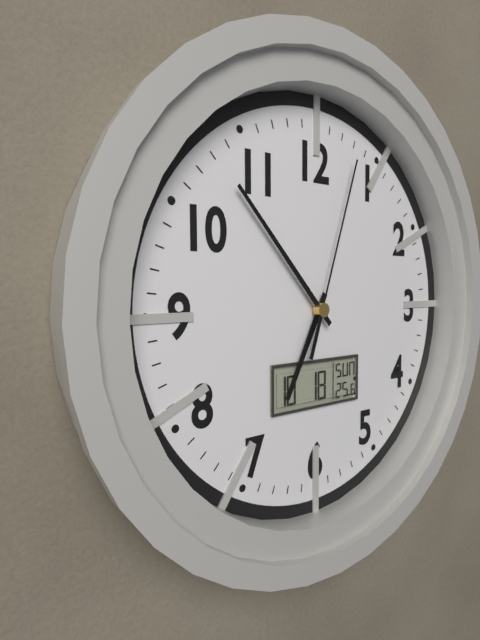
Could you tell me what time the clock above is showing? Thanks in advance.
6:53:03
